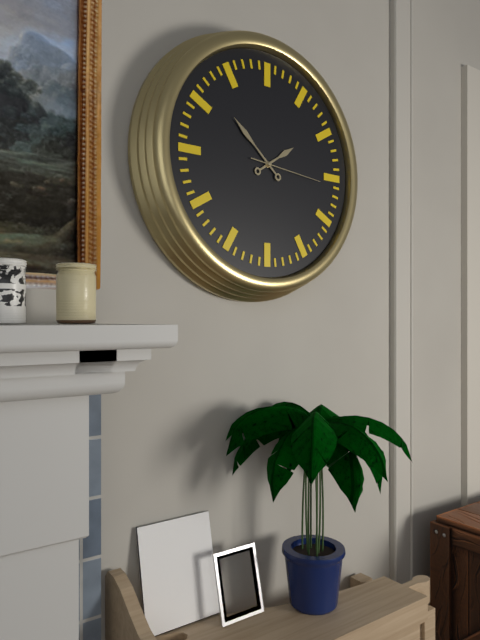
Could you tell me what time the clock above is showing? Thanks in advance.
1:52:16
